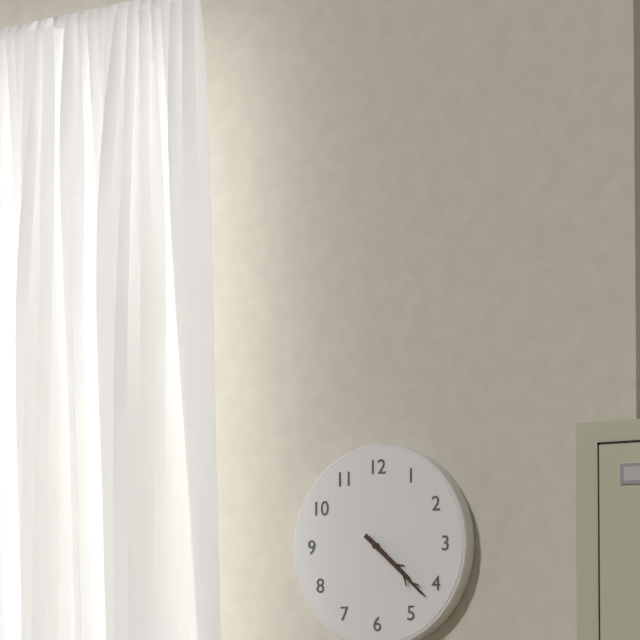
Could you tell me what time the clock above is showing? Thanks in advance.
4:22
